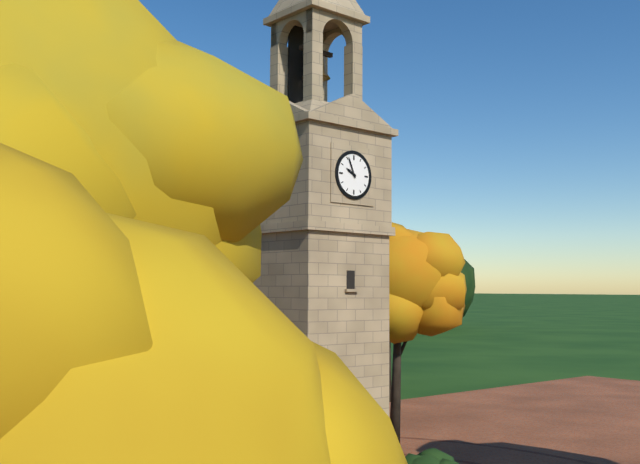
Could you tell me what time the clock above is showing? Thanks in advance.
9:56
